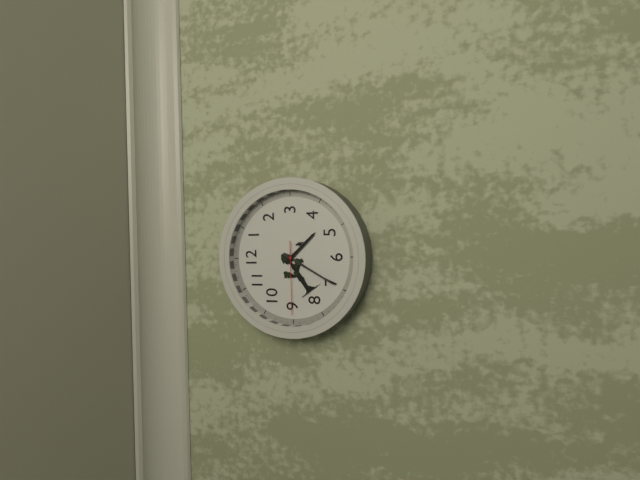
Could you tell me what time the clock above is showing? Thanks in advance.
4:35:45
